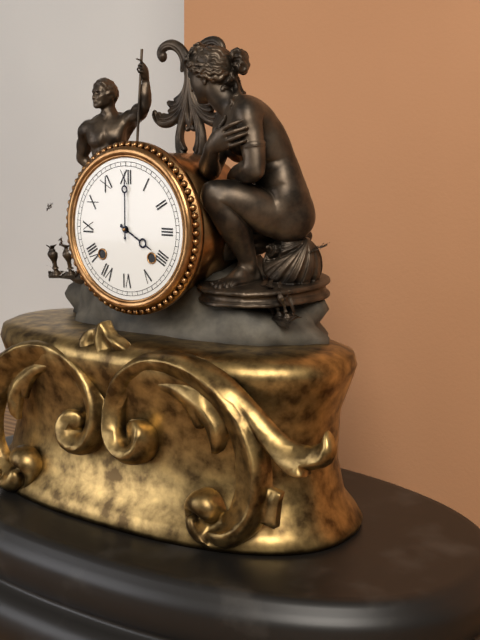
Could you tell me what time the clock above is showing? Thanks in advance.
4:00
